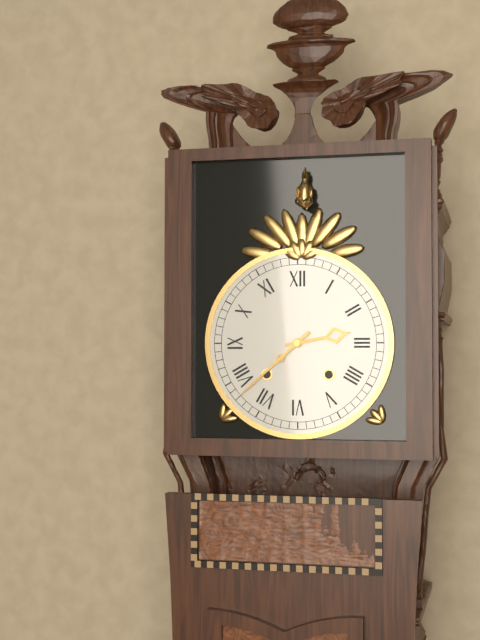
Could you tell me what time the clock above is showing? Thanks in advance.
2:38
